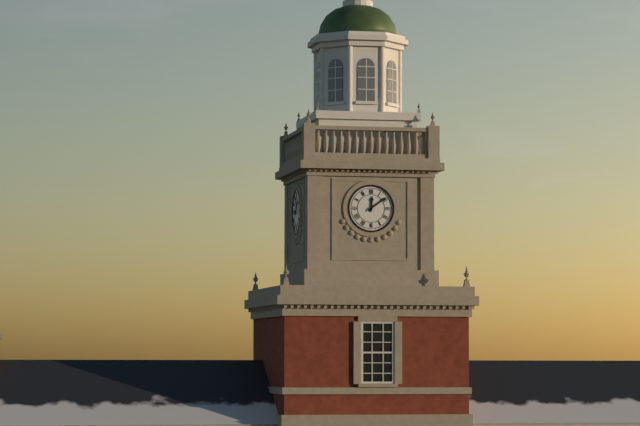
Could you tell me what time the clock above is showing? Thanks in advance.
12:09
